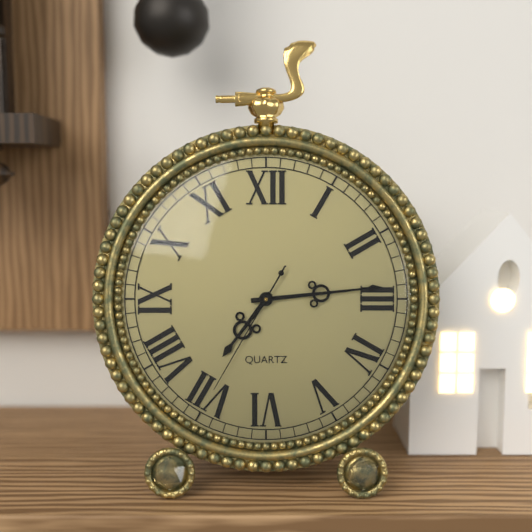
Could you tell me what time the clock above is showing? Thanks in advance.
7:14:35
